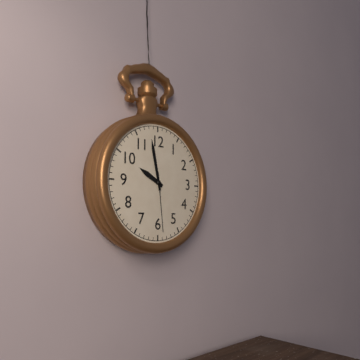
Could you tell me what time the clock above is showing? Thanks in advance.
9:58:29
